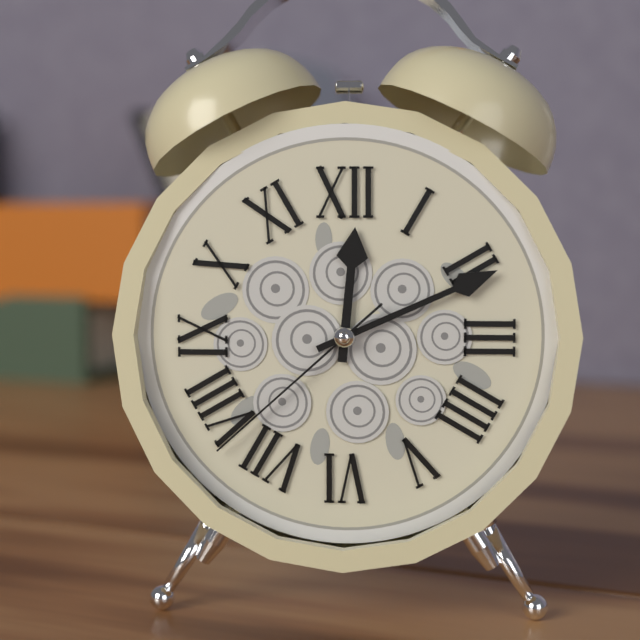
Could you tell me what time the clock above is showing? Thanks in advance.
12:11:38
